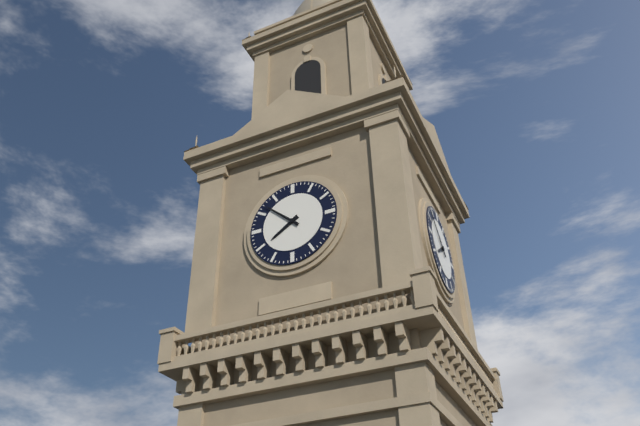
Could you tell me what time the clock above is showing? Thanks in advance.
7:52
